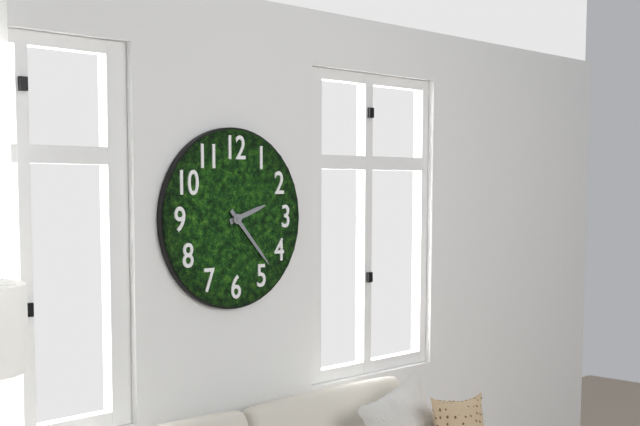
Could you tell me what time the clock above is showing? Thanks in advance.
2:23
